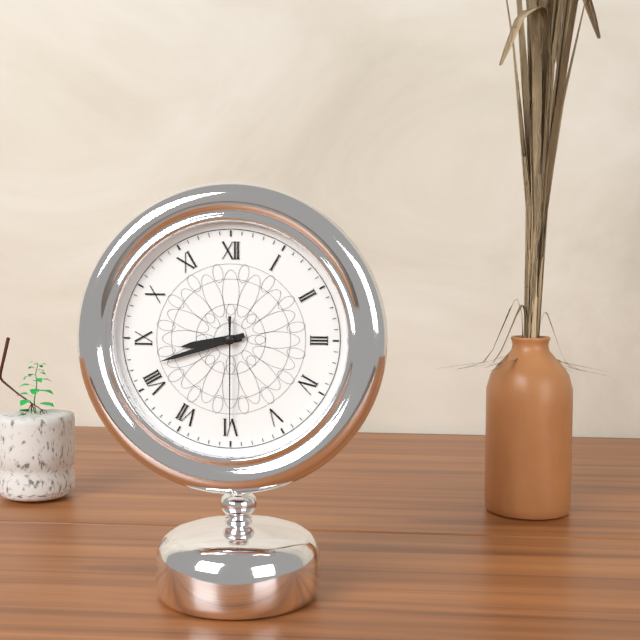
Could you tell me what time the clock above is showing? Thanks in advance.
8:42:30
